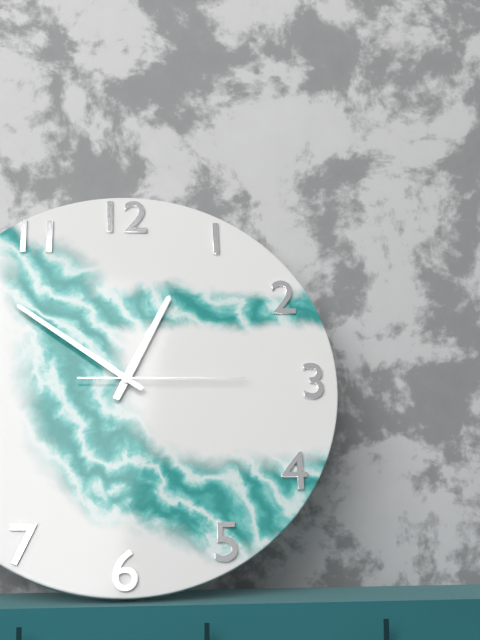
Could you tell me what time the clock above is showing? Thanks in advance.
12:51:15
